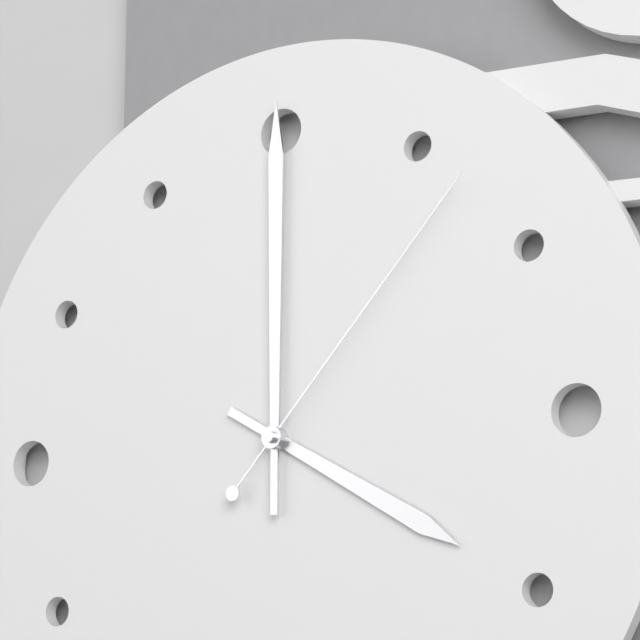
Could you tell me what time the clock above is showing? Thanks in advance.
4:00:07
